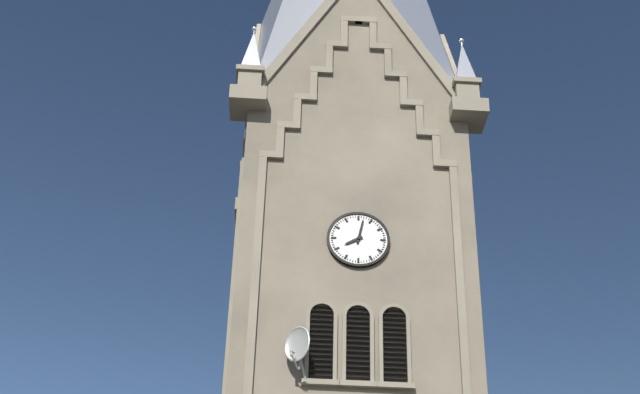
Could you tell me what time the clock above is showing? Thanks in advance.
8:02
